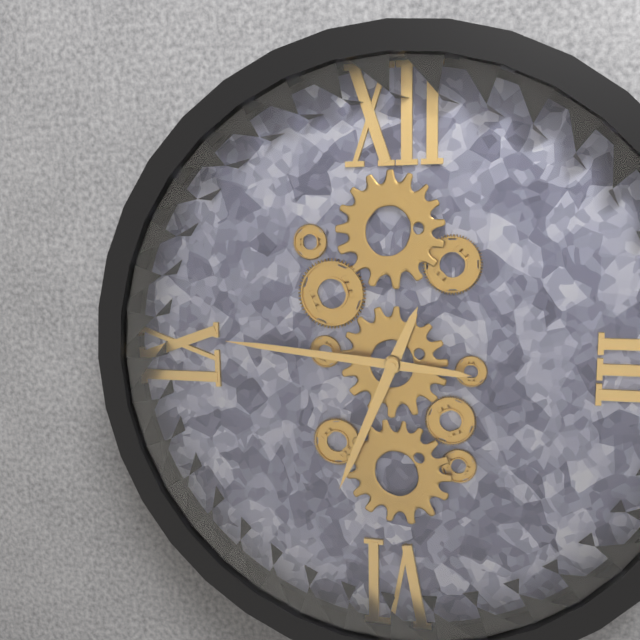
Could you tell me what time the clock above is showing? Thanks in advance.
6:46
